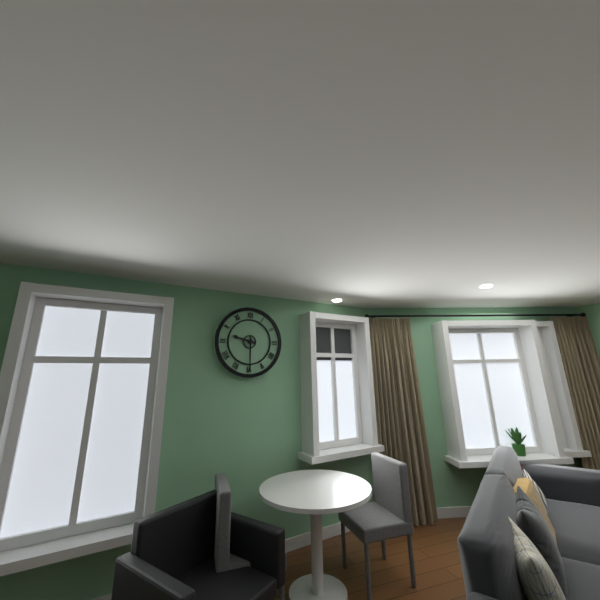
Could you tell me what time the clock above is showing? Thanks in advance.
9:30
